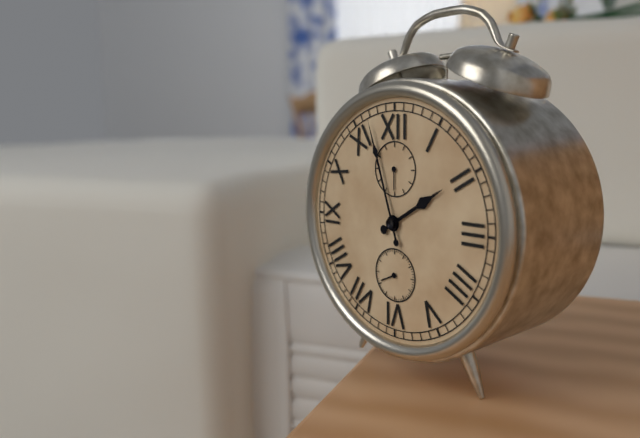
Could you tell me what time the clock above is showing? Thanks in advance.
1:57
